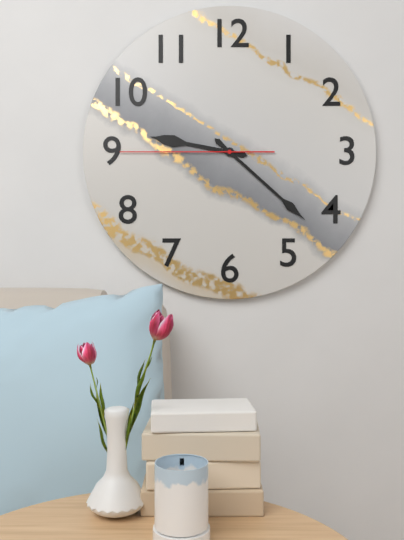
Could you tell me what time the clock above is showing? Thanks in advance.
9:22:45
